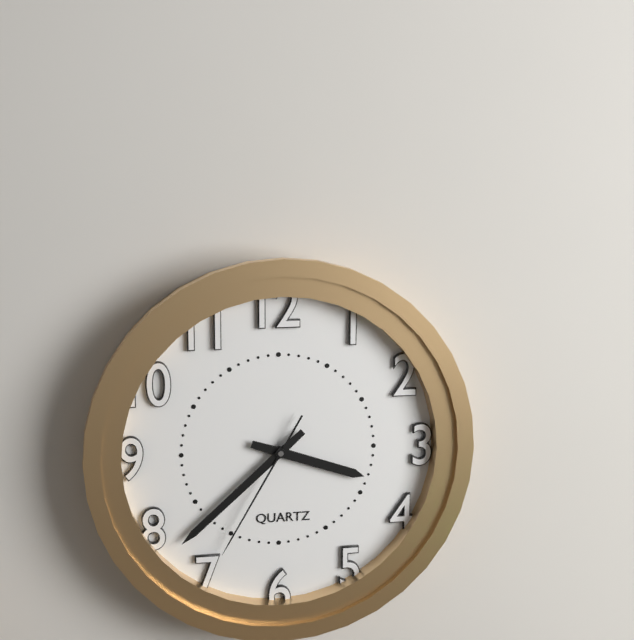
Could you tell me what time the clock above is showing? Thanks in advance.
3:38:35
